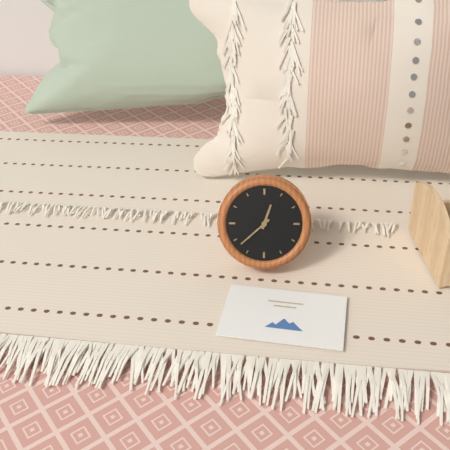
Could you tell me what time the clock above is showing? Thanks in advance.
12:38
